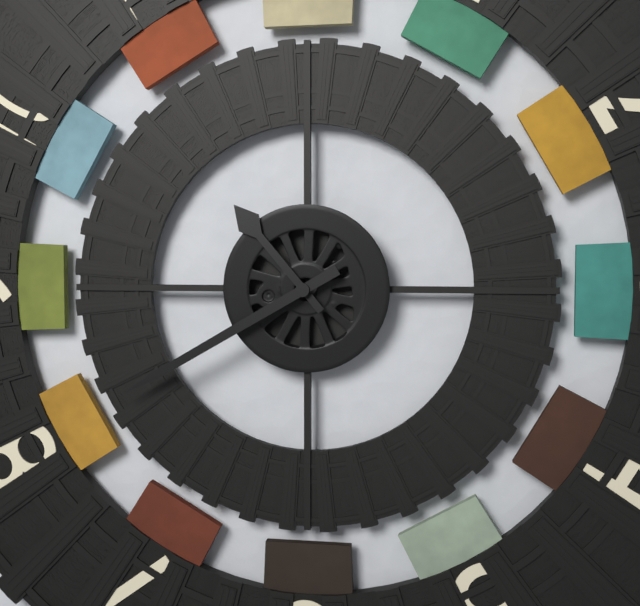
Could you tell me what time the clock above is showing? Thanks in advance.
10:40
